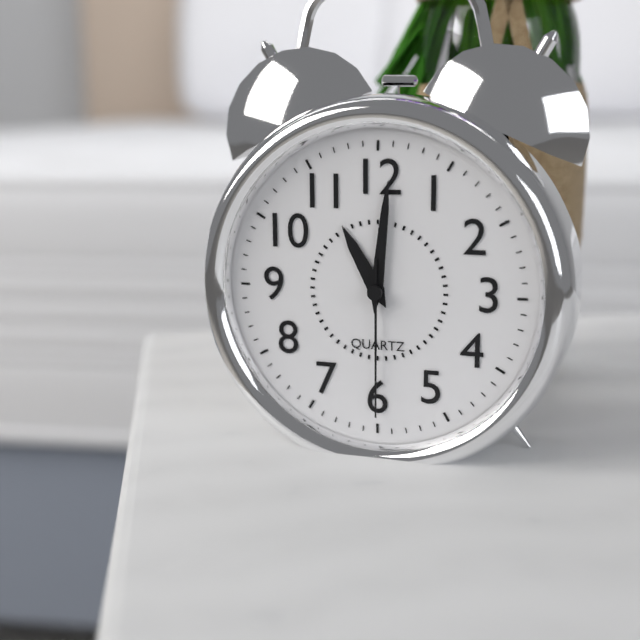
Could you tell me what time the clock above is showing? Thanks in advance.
11:01:30
